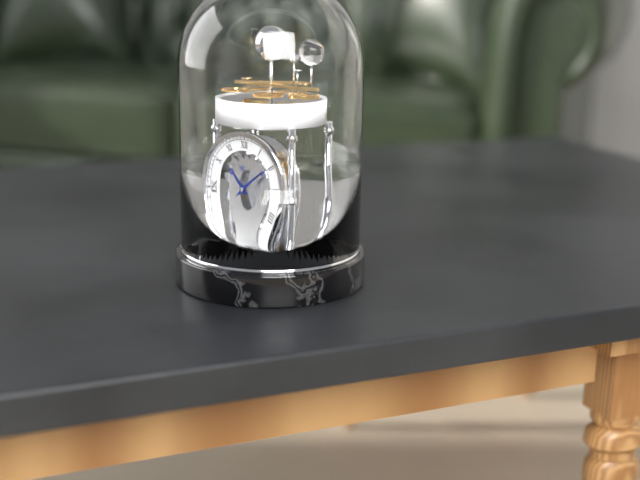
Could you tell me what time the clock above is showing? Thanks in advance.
10:10
